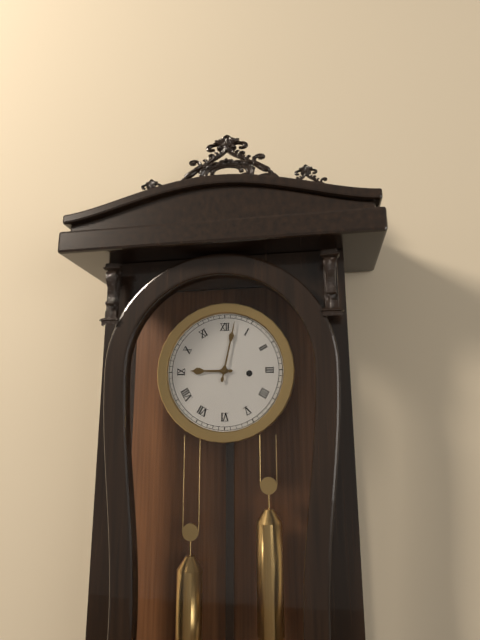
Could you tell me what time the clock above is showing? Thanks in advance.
9:02
